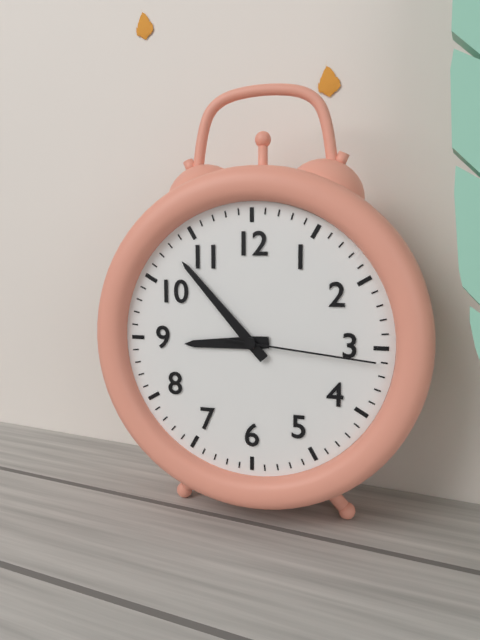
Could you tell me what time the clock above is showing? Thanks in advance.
8:53:16
